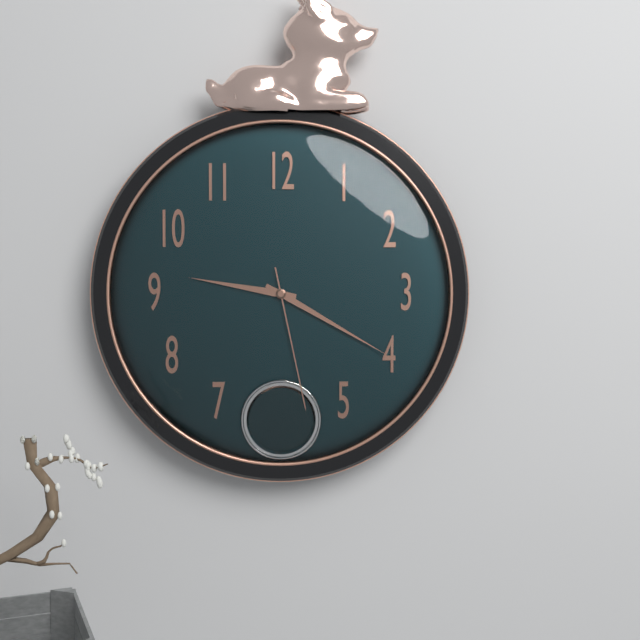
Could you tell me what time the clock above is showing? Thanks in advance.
9:20:28
